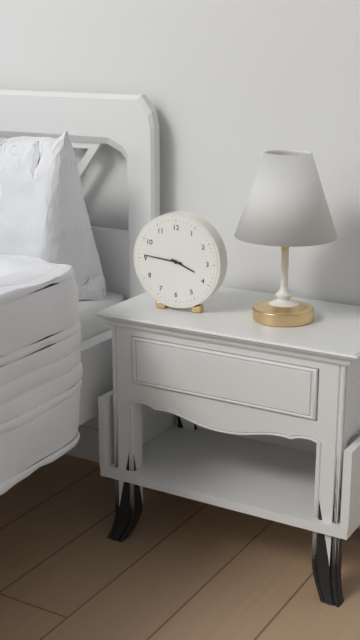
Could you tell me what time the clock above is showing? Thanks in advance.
3:46
